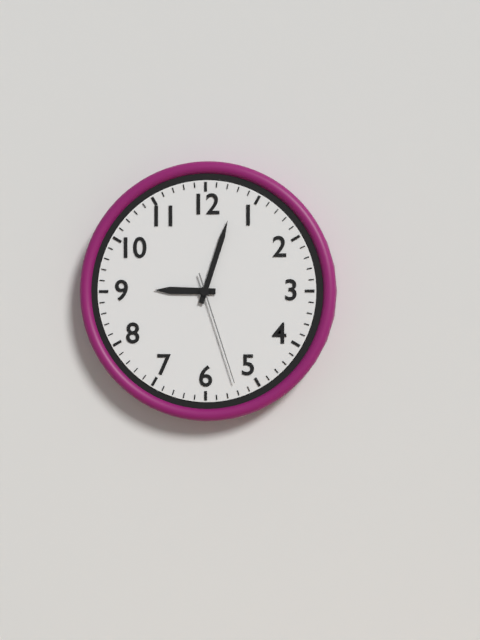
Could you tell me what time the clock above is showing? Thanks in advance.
9:03:27
